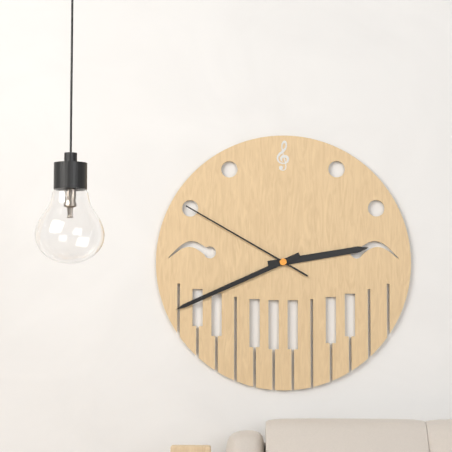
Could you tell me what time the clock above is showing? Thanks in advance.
2:41:50
